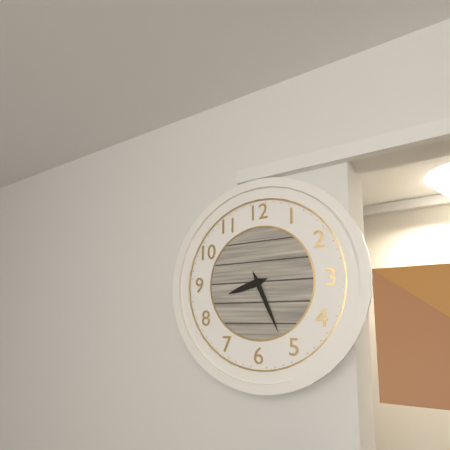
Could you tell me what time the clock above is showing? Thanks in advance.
8:26
